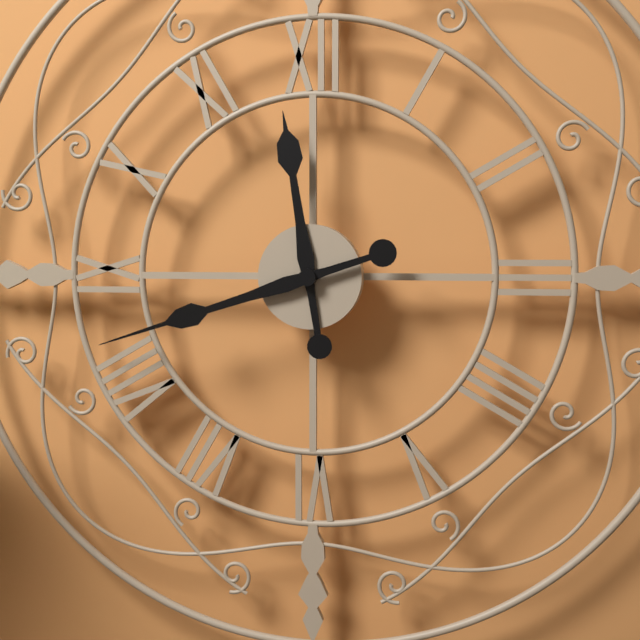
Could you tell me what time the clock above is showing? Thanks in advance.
11:42
